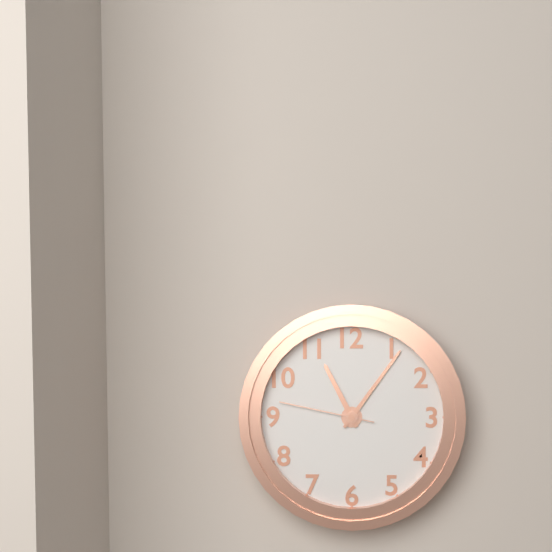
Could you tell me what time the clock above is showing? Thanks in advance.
11:06:47
